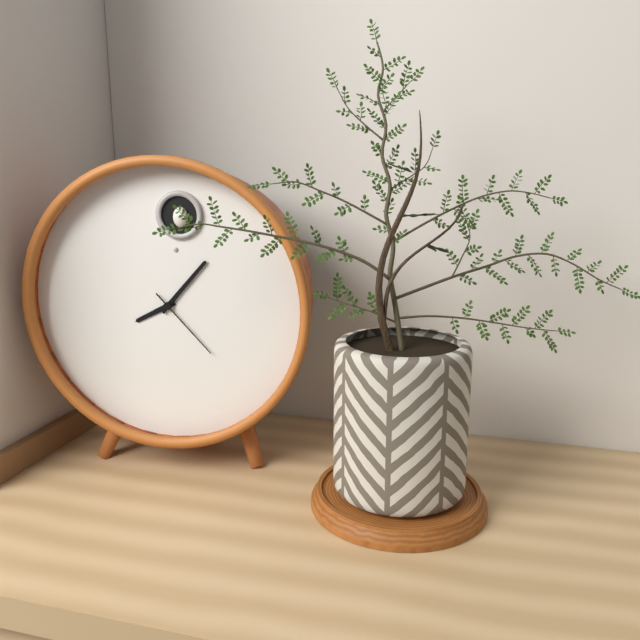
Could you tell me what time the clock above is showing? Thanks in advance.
8:07:23
